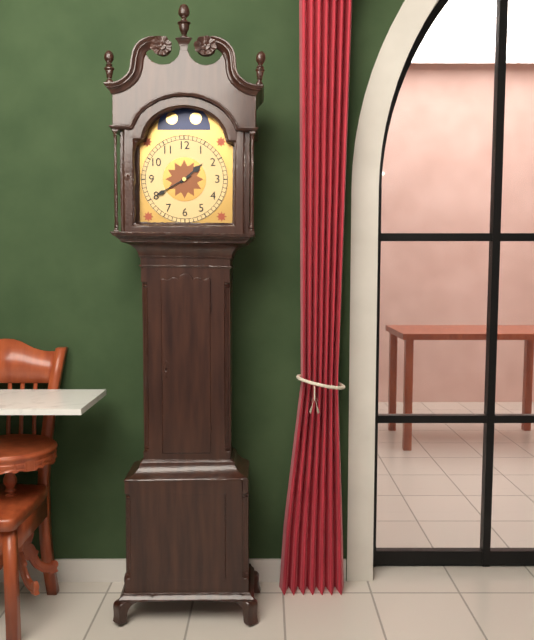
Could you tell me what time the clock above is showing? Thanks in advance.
1:40
